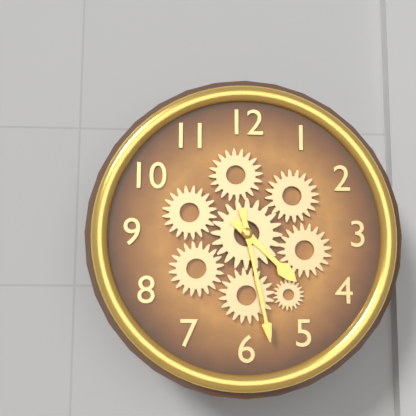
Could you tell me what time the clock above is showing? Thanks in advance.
4:28
